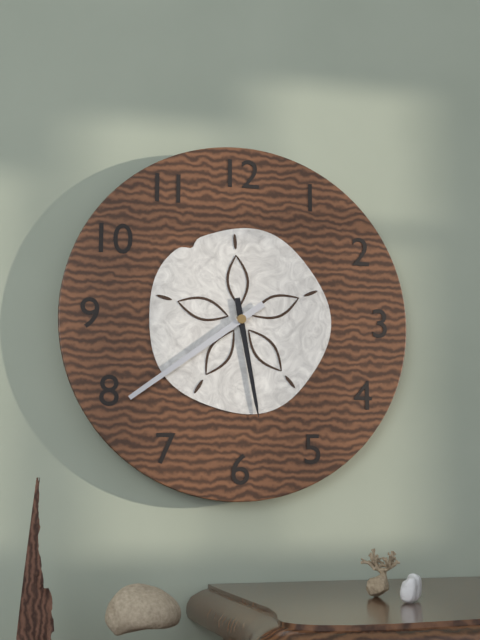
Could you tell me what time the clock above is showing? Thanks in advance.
5:39
